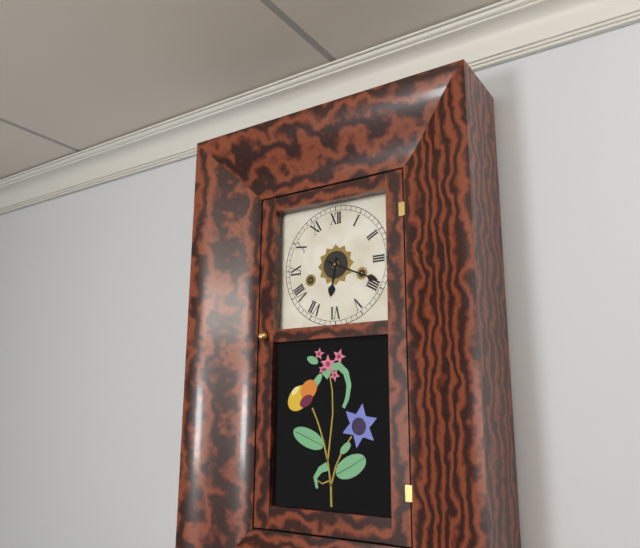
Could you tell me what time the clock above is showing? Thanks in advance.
6:19
